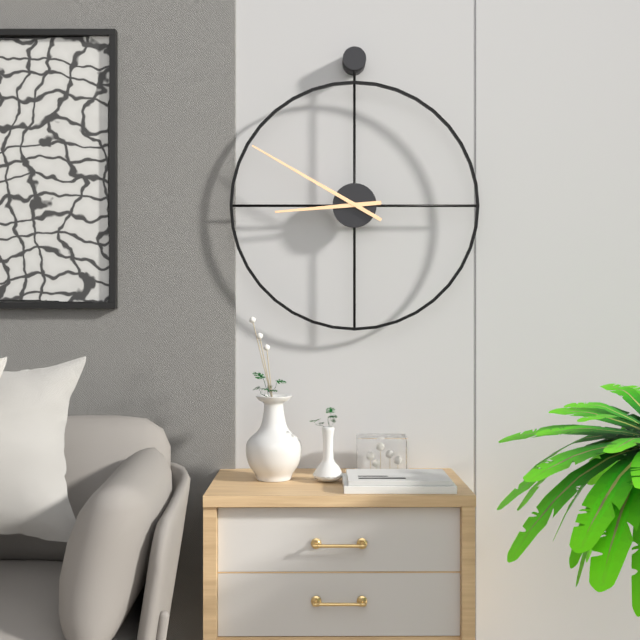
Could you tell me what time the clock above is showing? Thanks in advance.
8:50
